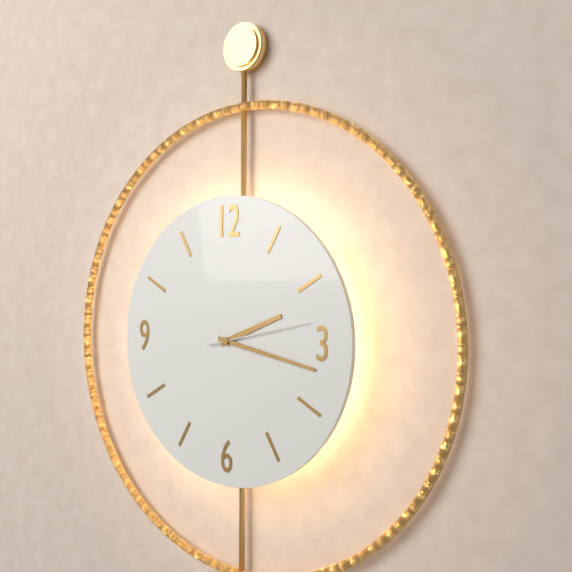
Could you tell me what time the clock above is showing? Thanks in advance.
2:17:13
